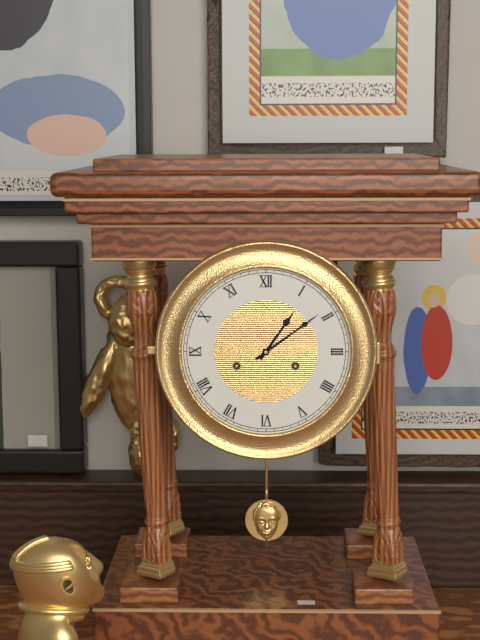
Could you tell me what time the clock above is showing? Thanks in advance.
1:09
